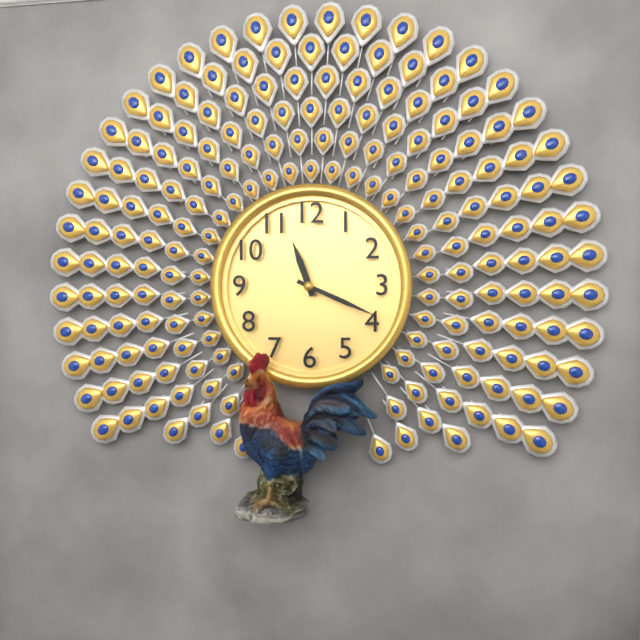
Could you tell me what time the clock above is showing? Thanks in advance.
11:19
